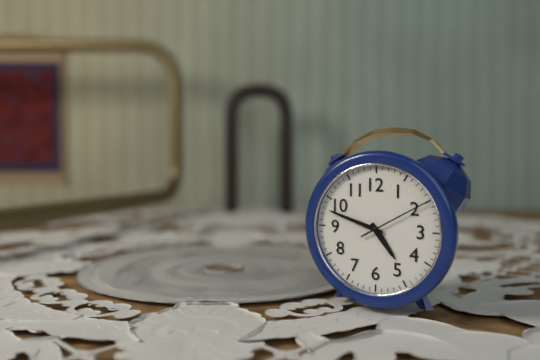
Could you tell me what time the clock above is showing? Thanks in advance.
4:48:10
